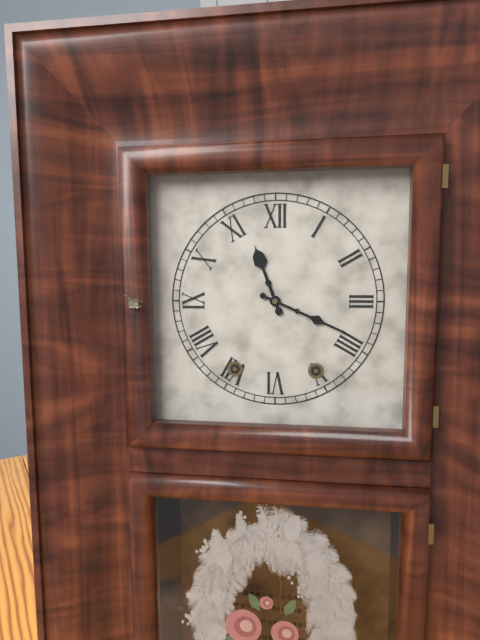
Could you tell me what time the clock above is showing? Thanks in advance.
11:19
